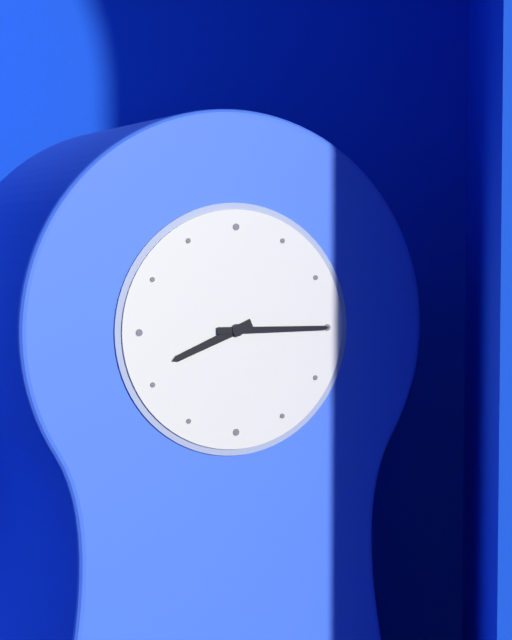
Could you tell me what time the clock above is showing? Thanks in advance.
8:15
